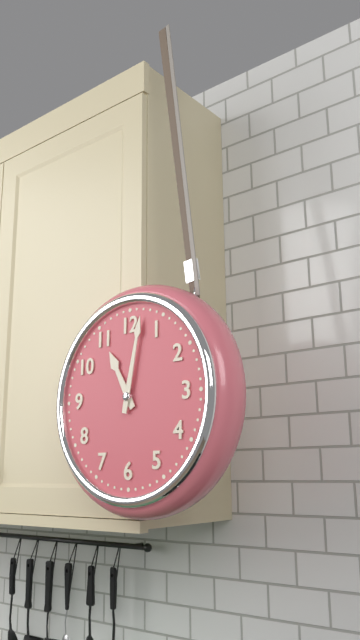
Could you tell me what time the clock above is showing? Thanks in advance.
11:02
